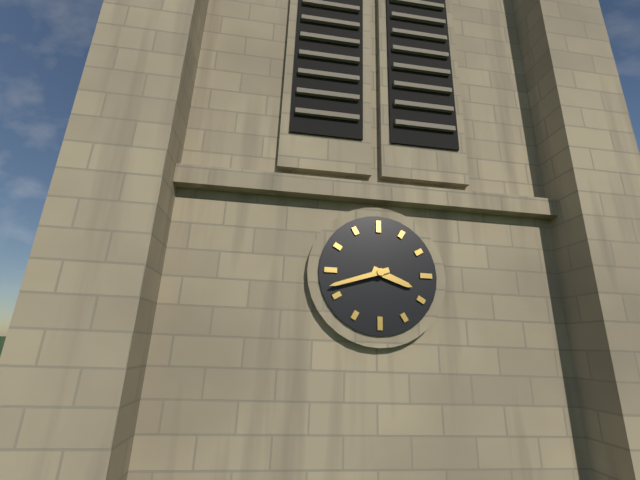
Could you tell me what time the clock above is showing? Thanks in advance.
3:42
